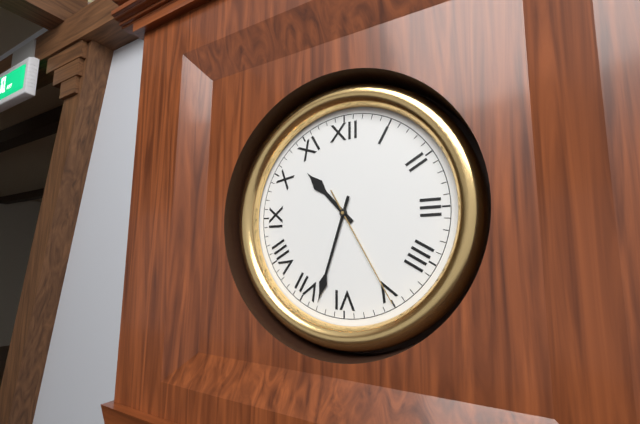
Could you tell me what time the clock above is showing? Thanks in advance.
10:33:25
